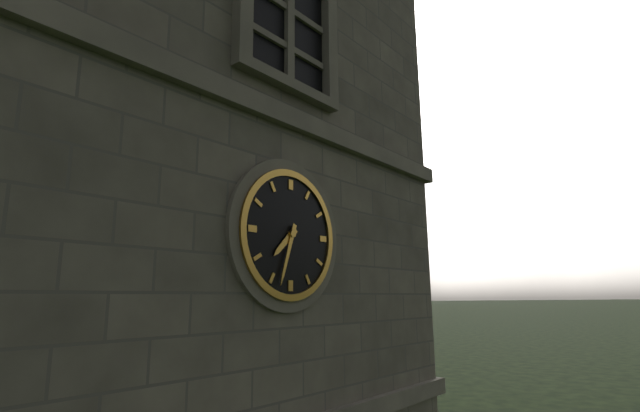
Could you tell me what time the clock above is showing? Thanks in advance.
7:33
